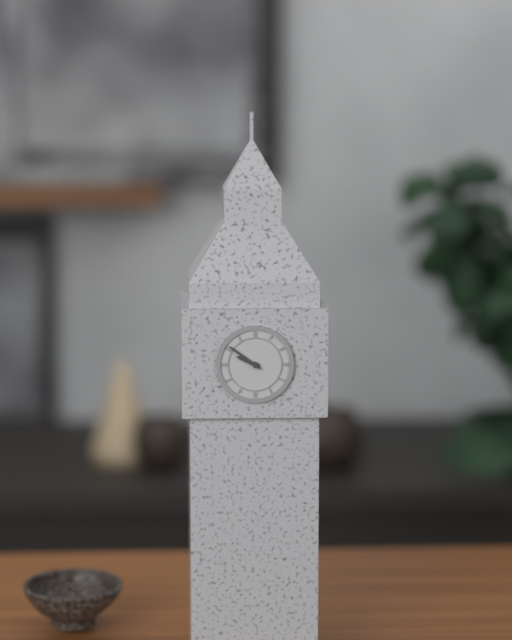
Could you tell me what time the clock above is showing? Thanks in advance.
9:51
